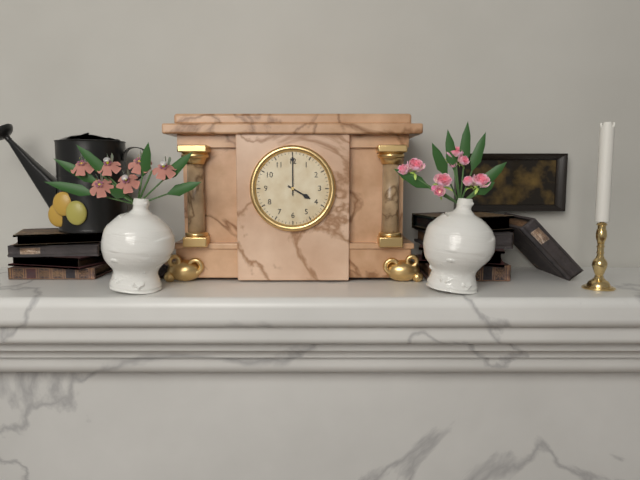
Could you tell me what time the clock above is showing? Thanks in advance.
4:00
